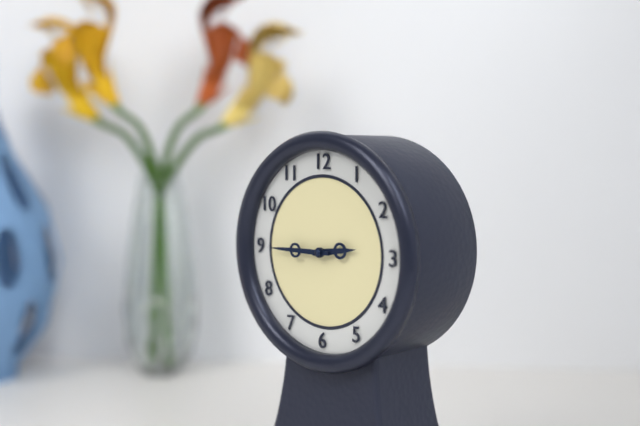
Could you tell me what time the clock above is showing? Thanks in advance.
2:45
